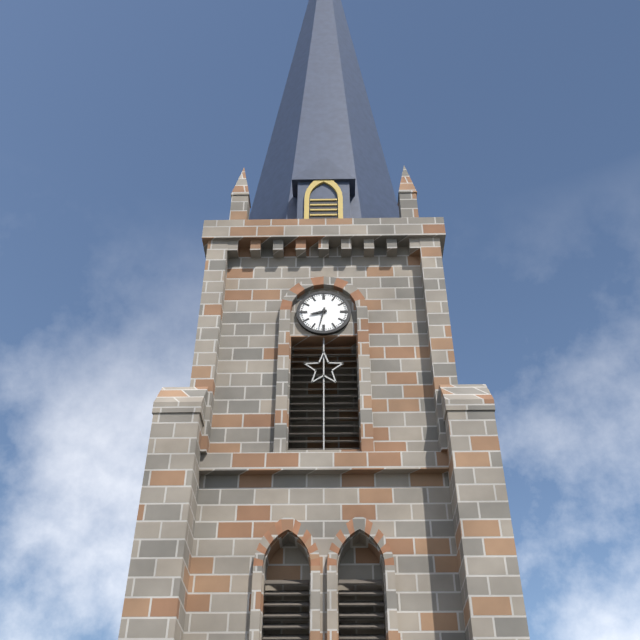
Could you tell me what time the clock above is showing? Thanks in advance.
8:32
